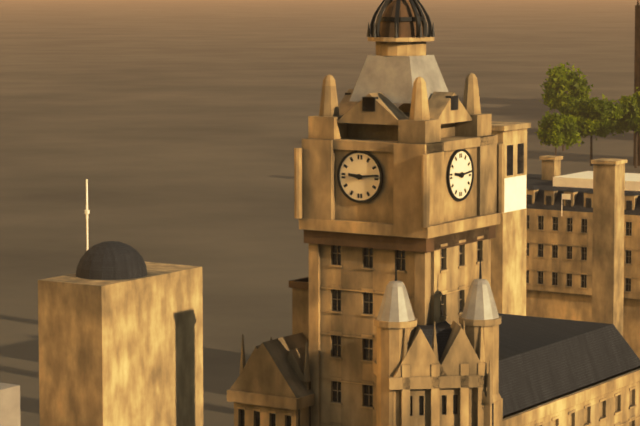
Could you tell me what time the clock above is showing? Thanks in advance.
9:14
